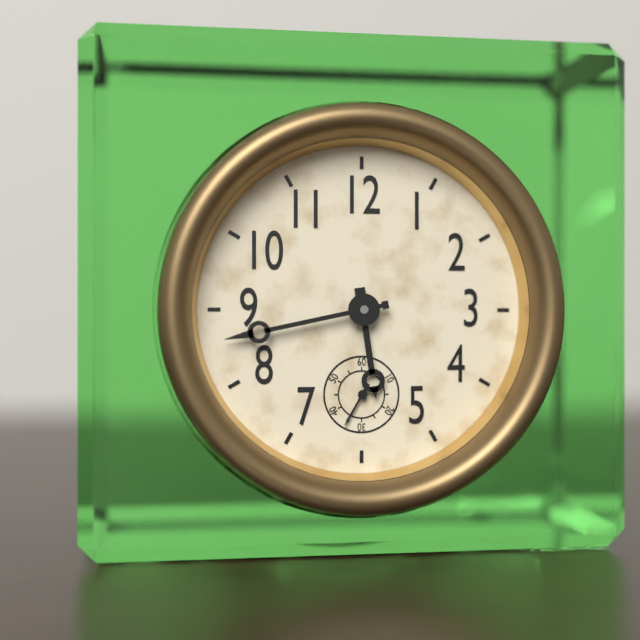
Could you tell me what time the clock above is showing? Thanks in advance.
5:43
